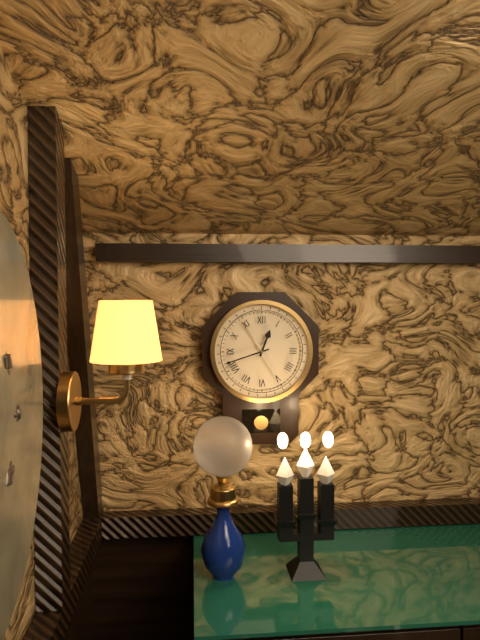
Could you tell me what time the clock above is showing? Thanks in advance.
12:42
